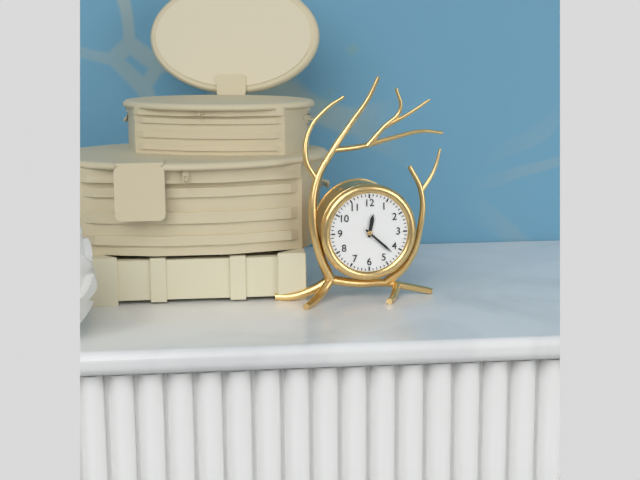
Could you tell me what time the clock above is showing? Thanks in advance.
12:22
